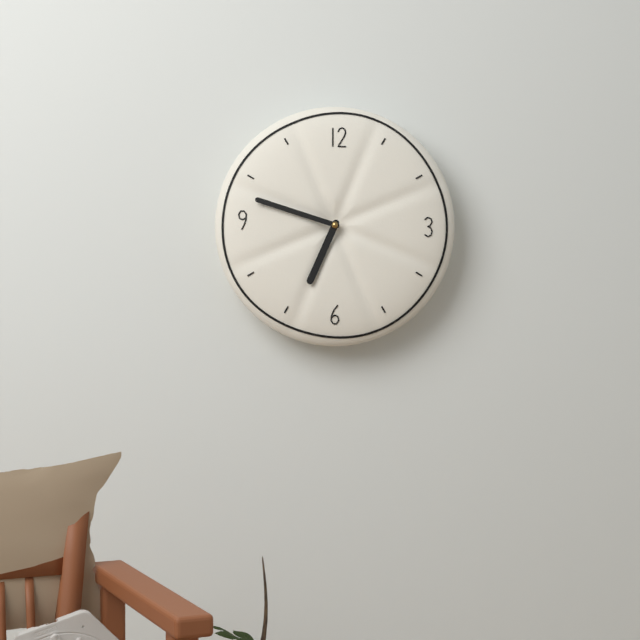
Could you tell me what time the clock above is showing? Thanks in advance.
6:48
